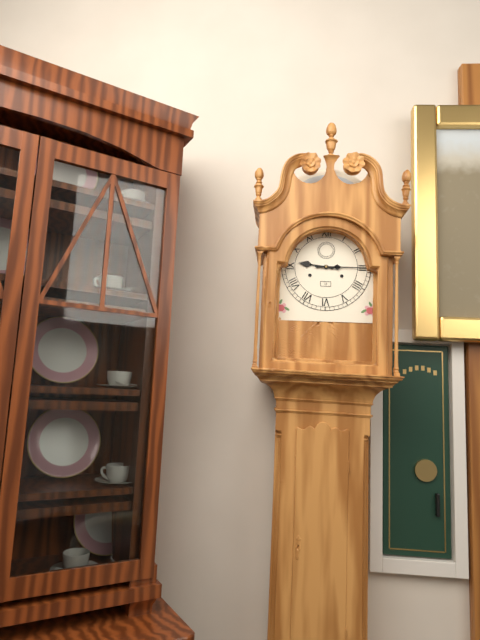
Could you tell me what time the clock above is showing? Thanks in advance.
9:15
